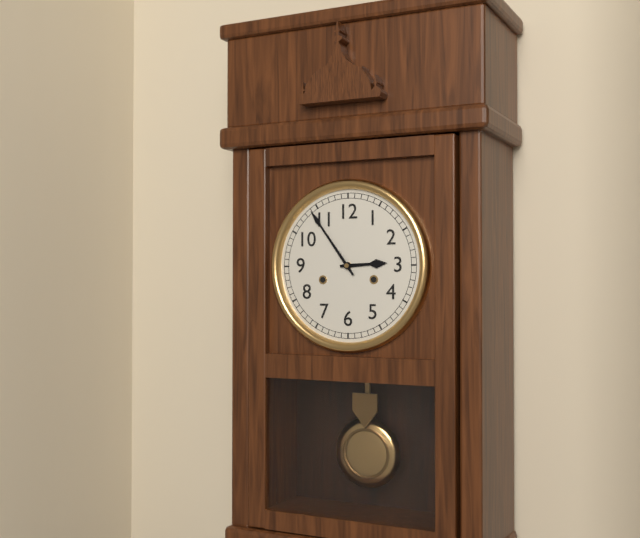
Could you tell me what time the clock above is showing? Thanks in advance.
2:54
